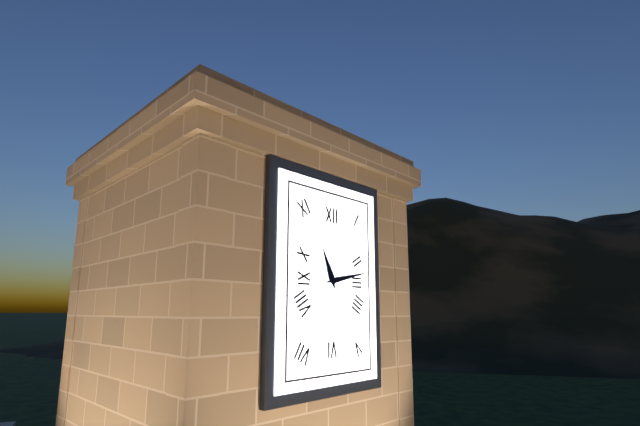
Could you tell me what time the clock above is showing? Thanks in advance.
11:13
